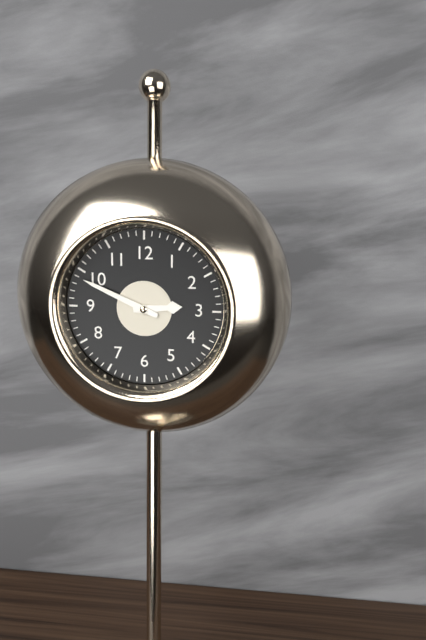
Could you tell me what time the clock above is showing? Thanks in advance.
2:49
